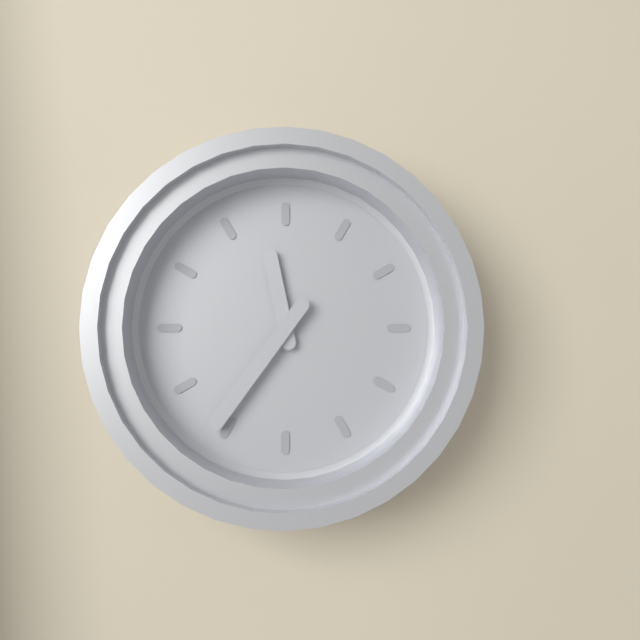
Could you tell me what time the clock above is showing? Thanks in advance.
11:36
